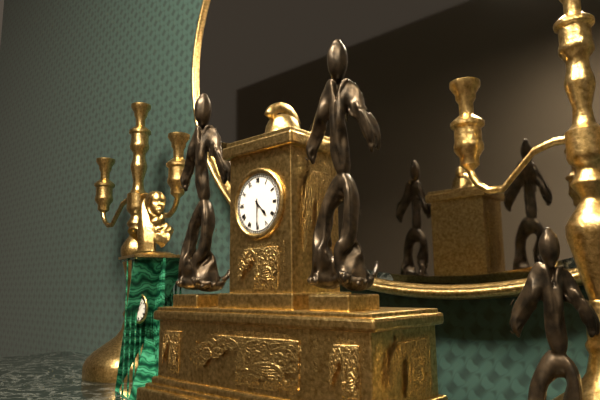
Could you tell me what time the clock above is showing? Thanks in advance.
4:30
